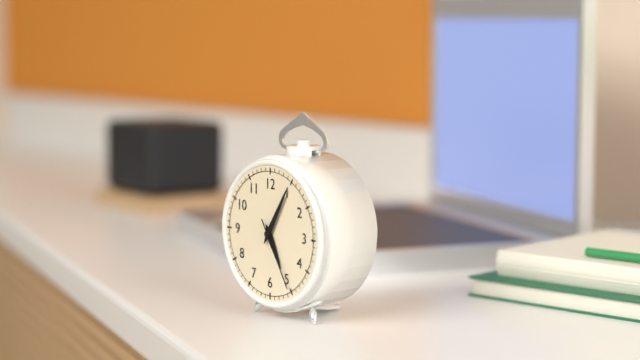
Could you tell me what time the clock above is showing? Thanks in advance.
5:05:25
